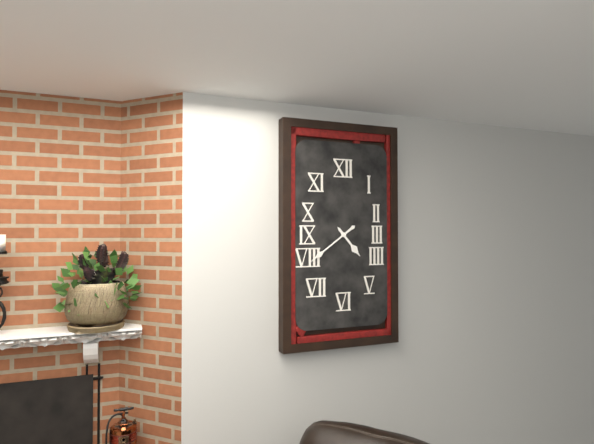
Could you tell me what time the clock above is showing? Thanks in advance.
4:39
